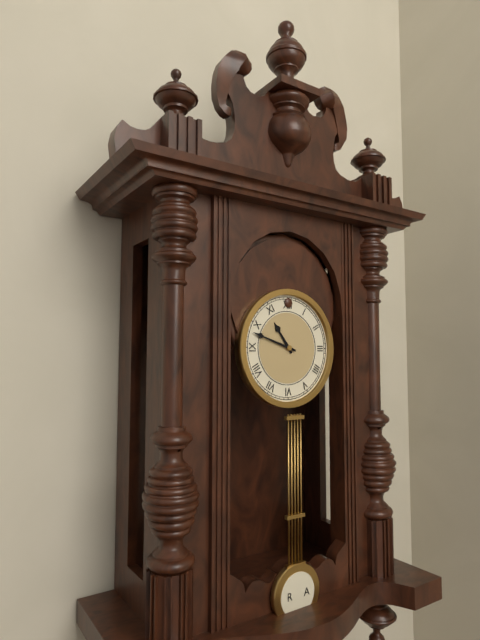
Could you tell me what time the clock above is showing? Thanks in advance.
10:48
